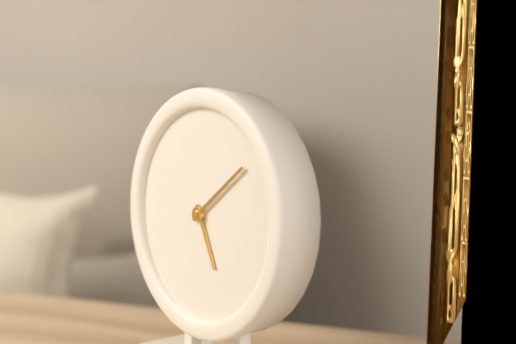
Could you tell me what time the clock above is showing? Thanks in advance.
5:09
